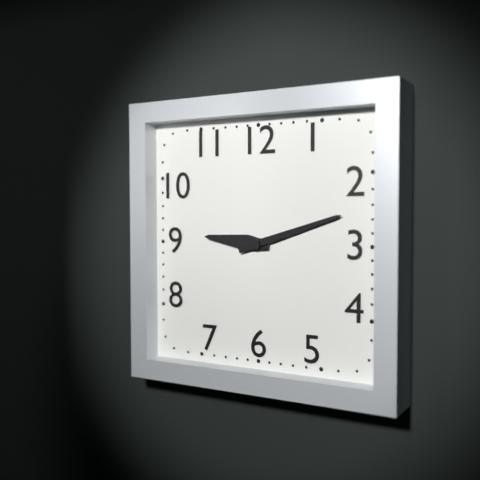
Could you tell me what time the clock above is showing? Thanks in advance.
9:12
